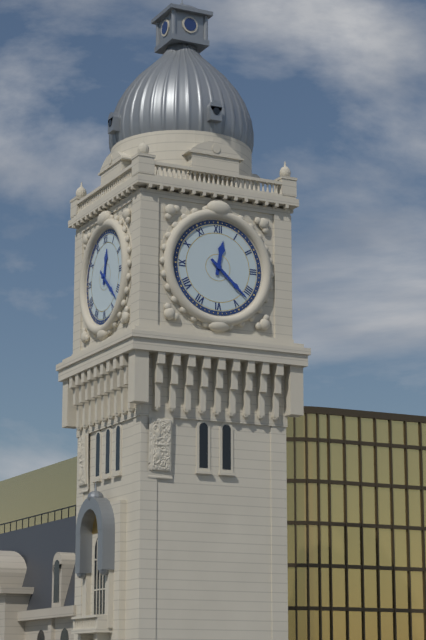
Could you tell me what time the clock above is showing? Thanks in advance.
12:22
